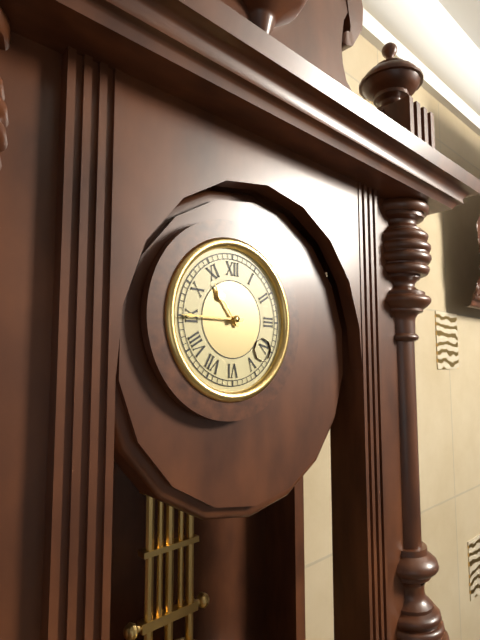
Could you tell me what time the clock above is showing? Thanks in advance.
10:45
